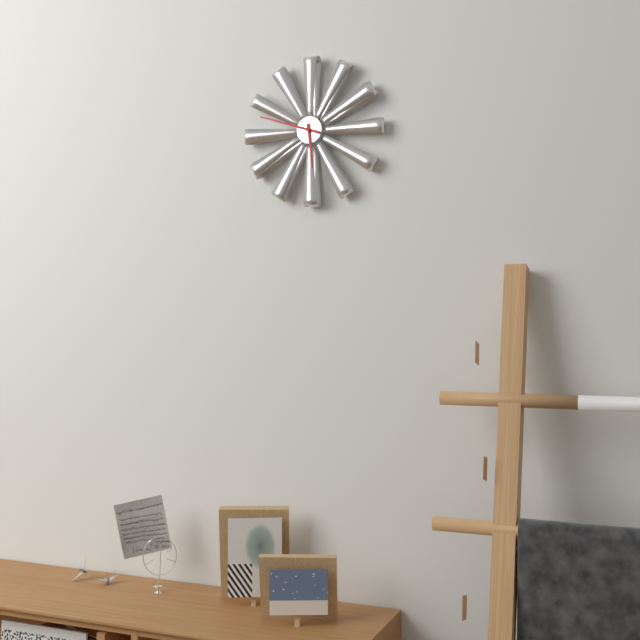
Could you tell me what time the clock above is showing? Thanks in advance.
5:48
